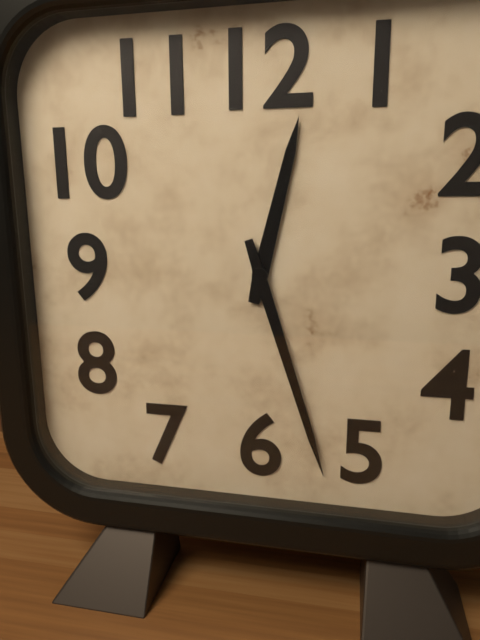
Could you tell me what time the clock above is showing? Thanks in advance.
12:27
